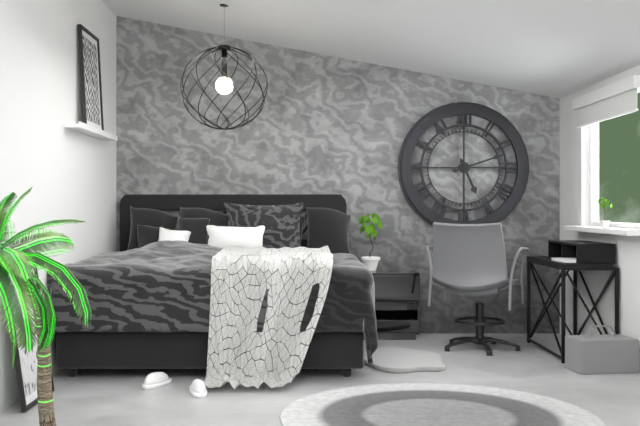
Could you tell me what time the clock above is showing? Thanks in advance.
5:12
